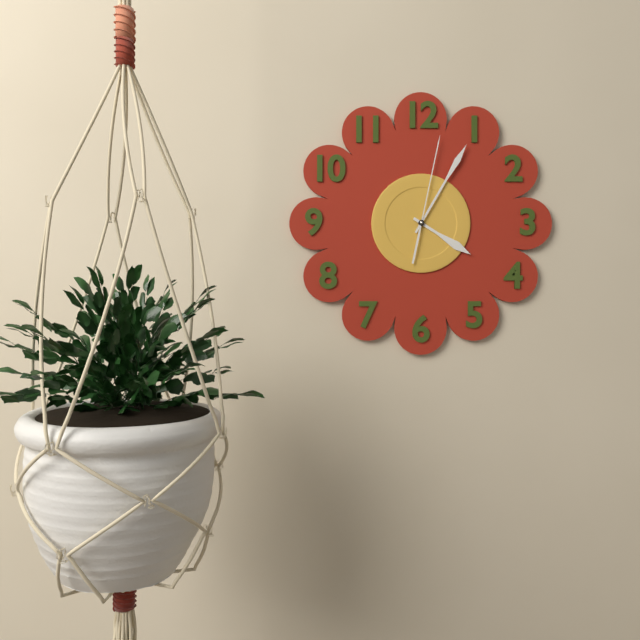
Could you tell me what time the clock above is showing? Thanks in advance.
4:05:02
